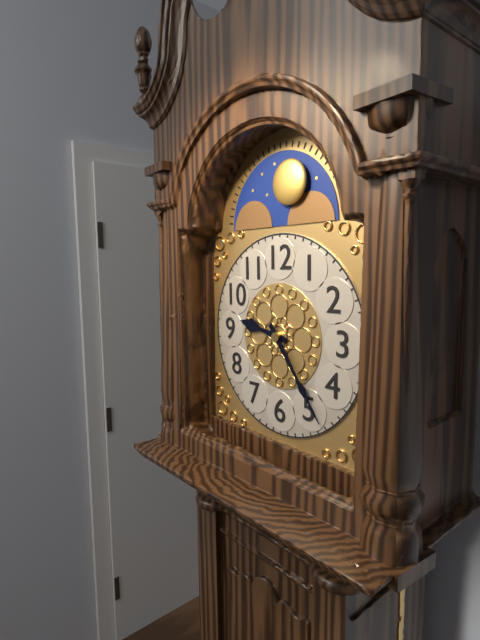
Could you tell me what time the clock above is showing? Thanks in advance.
9:24
